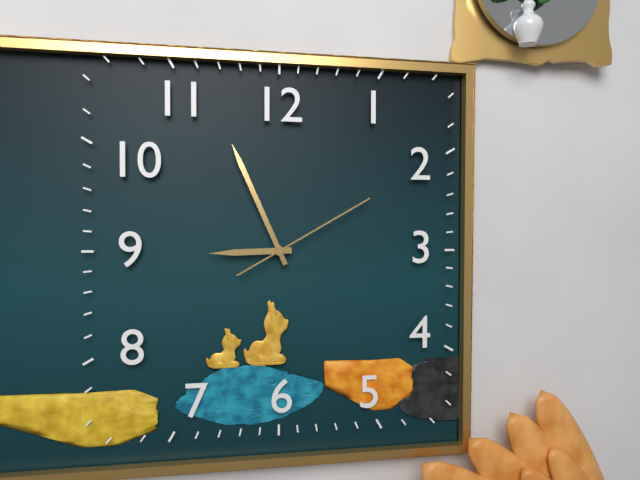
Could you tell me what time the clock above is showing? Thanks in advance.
8:56:10
